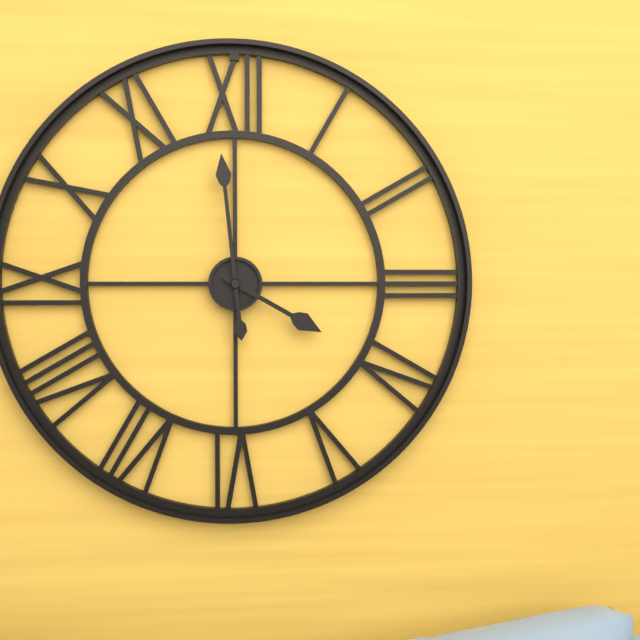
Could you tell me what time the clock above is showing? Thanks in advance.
3:59
